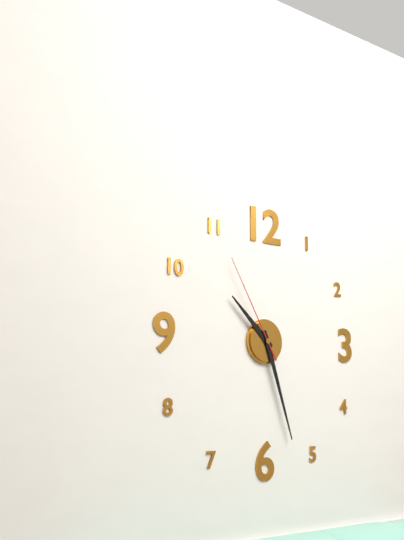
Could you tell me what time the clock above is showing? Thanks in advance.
10:27:55
